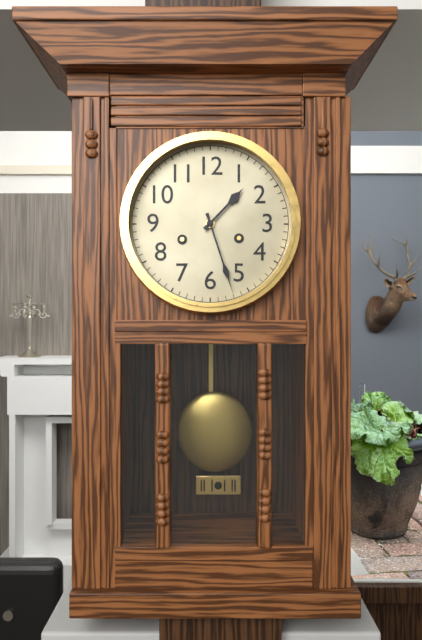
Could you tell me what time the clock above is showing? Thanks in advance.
1:27
